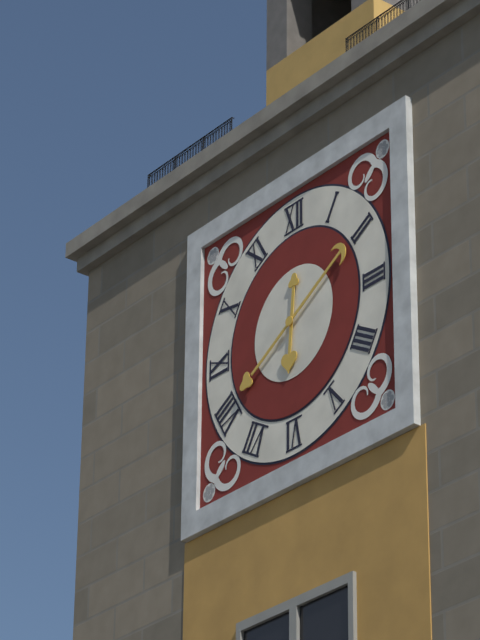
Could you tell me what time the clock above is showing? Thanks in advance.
6:10
